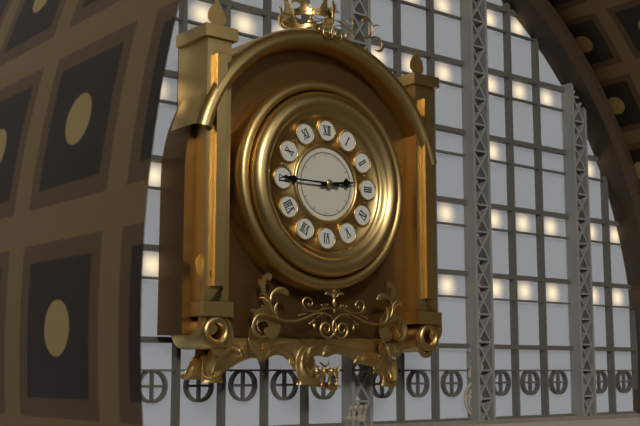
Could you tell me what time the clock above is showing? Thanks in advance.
2:45
